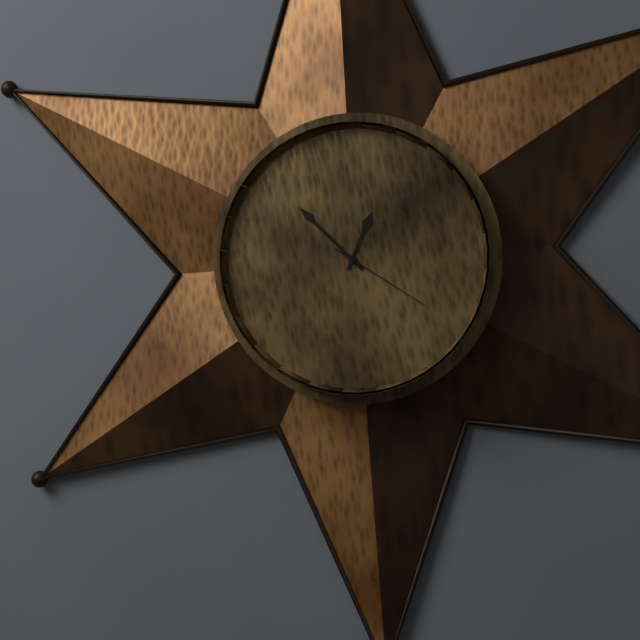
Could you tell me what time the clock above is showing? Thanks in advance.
12:53:21
